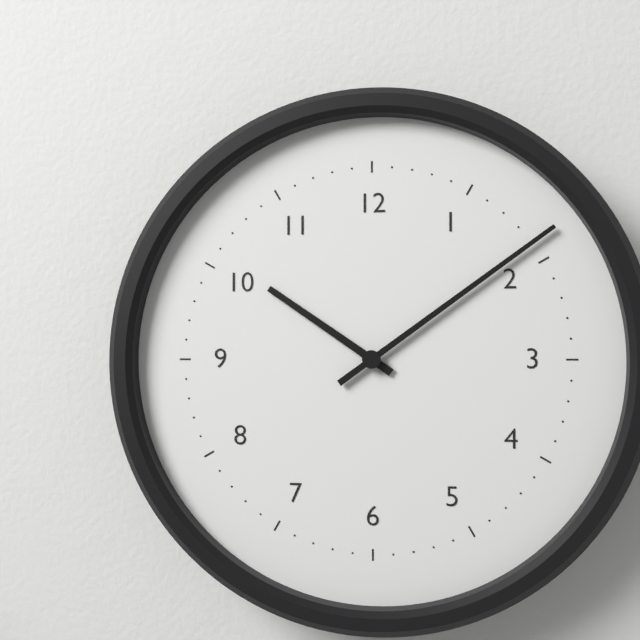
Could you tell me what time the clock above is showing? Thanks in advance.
10:09
